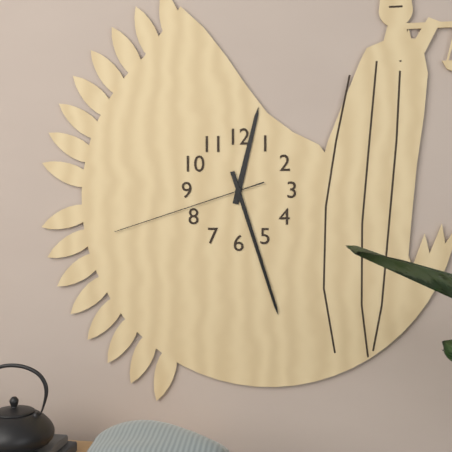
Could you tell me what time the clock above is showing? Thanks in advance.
12:27:42
